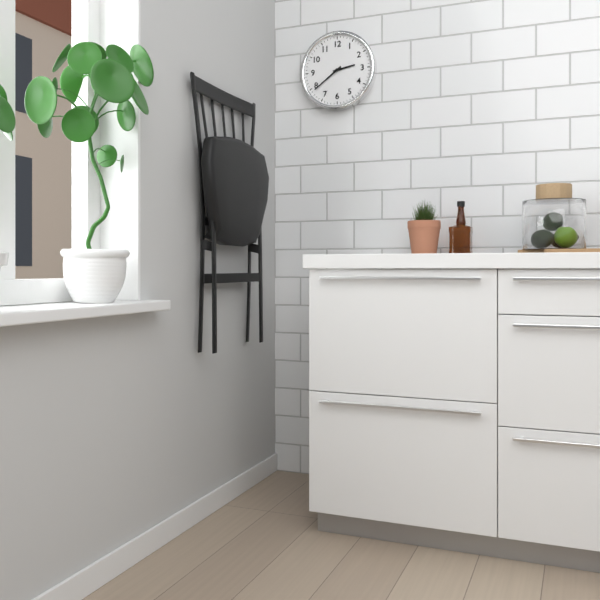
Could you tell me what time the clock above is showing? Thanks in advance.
2:39
